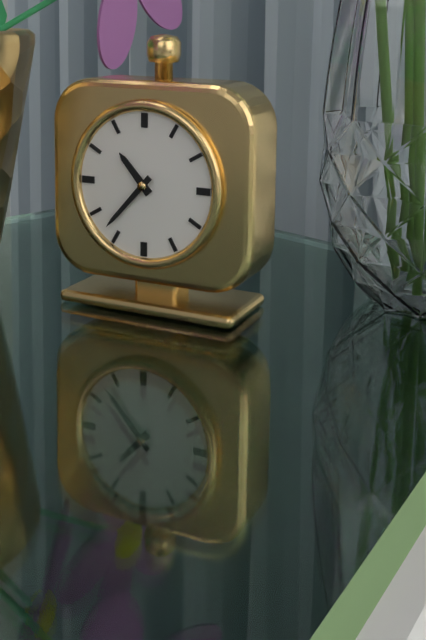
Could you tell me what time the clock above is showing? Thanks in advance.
10:37
